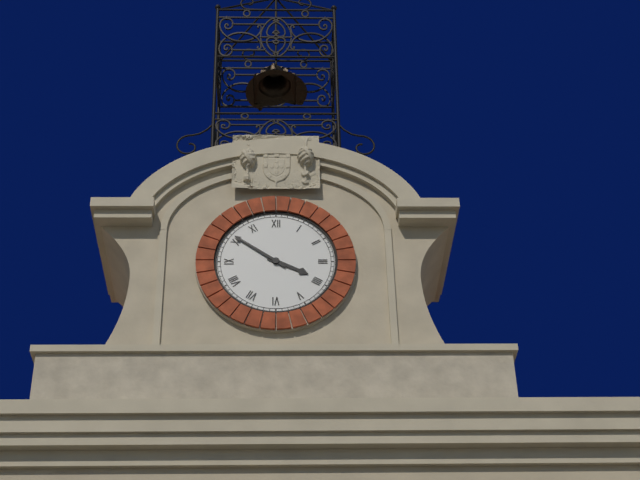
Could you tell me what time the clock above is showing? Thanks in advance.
3:51
